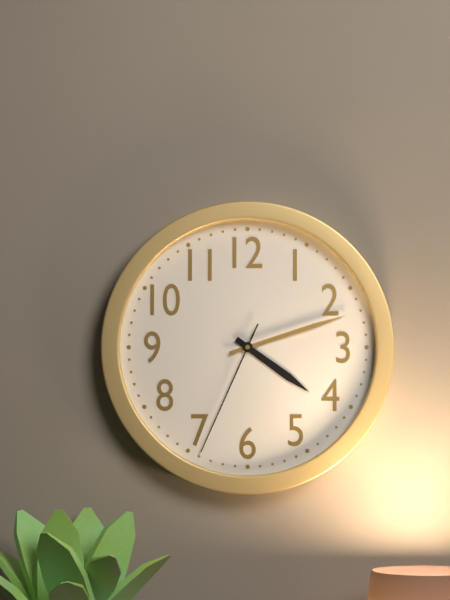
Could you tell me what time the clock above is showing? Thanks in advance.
4:12:34
